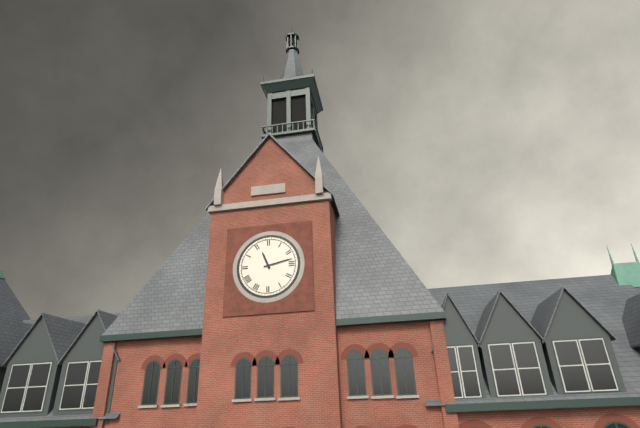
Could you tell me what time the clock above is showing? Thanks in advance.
11:13
